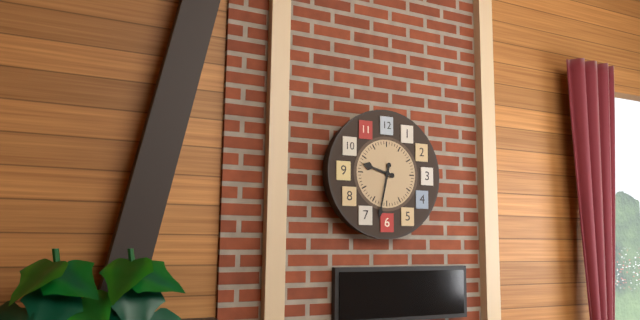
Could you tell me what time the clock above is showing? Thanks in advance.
9:32
